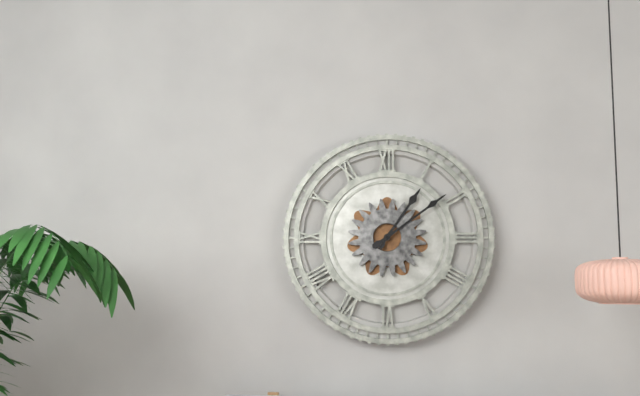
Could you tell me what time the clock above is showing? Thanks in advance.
1:09
